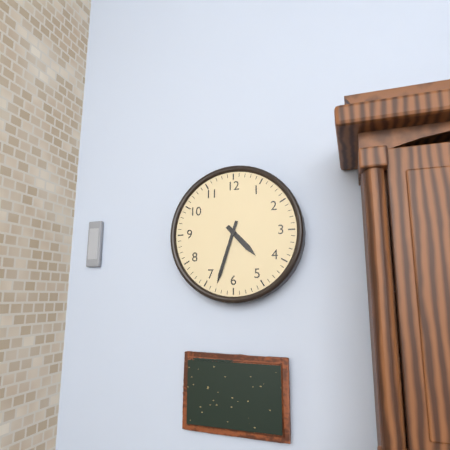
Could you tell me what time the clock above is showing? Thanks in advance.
4:33
